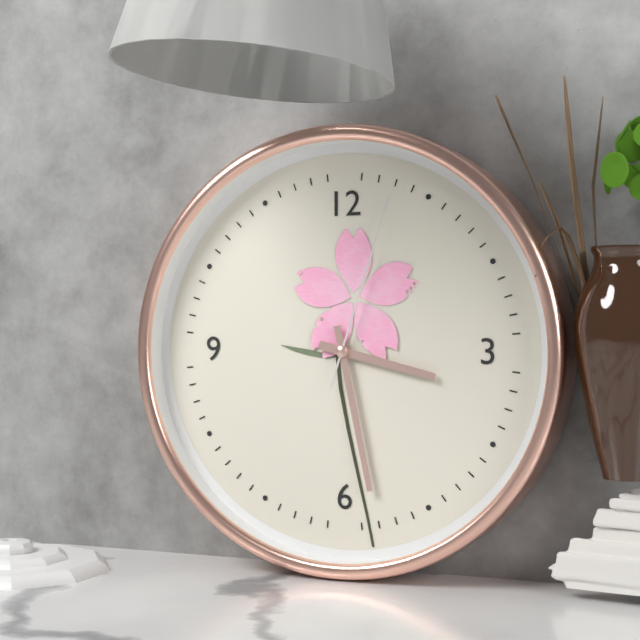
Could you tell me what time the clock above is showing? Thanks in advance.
3:28:03
